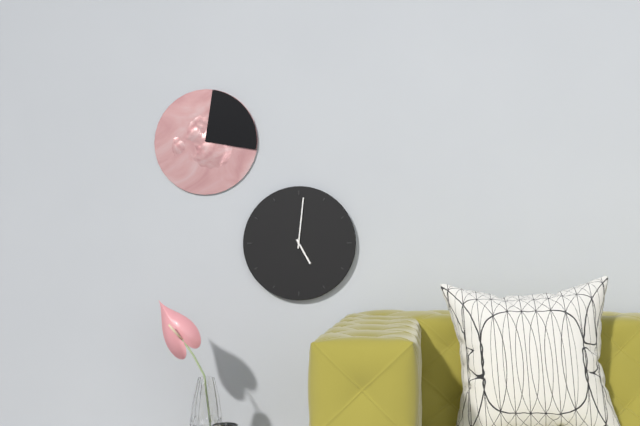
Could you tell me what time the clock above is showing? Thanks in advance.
5:01
